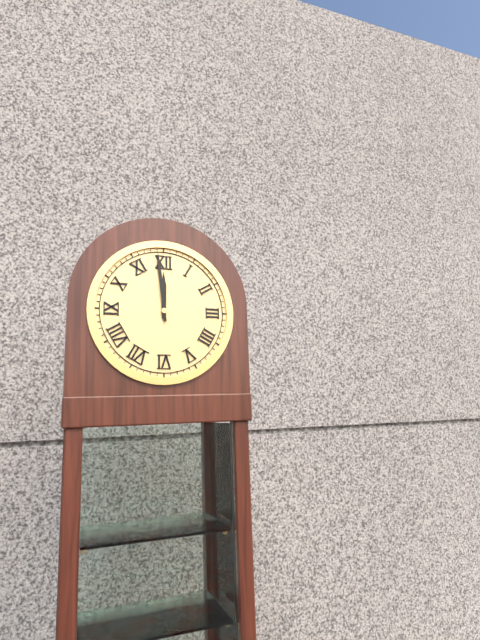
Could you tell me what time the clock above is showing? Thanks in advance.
11:59
